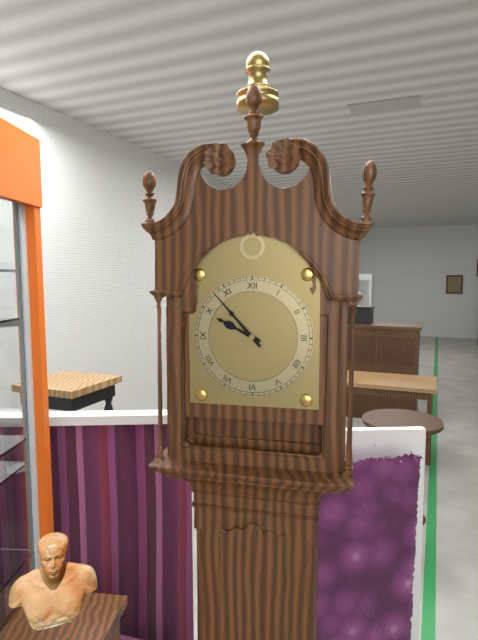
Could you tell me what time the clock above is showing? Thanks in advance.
9:53
